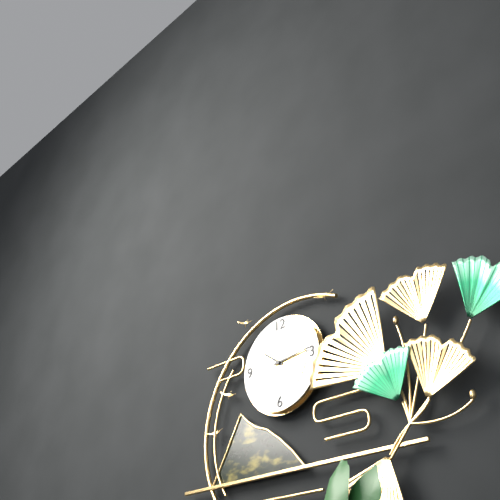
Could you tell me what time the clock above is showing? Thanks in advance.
10:14
